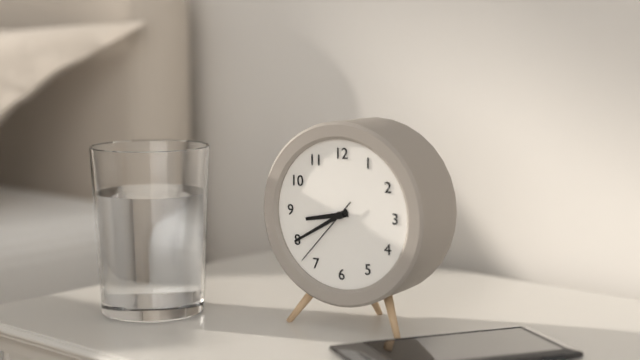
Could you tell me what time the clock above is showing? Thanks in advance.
8:40:37
